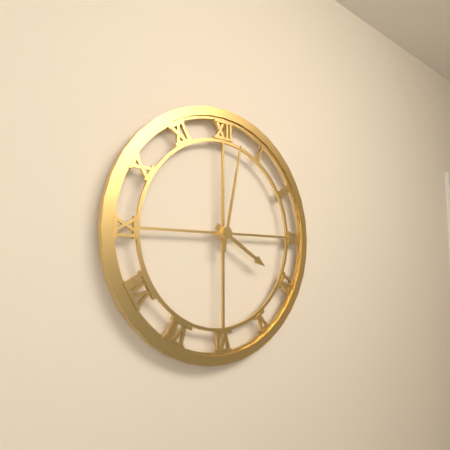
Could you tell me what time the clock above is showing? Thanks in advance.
4:02
